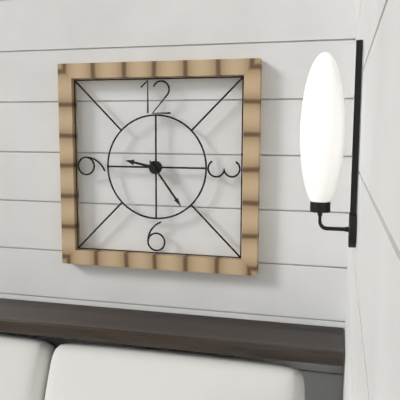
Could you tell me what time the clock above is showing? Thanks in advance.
9:24
